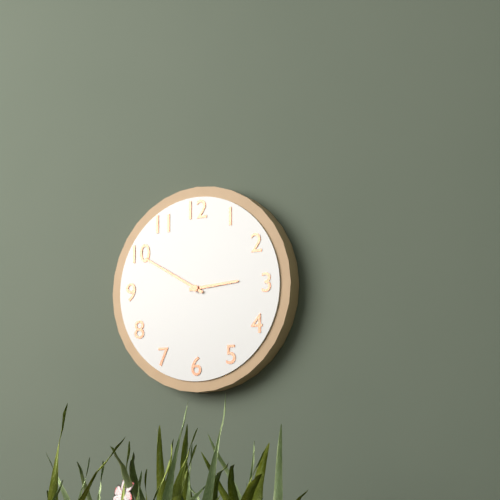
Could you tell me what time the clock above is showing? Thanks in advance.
2:50
